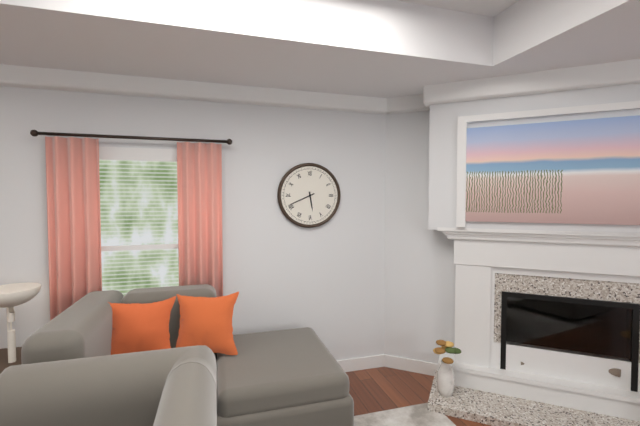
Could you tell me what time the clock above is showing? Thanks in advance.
5:41
